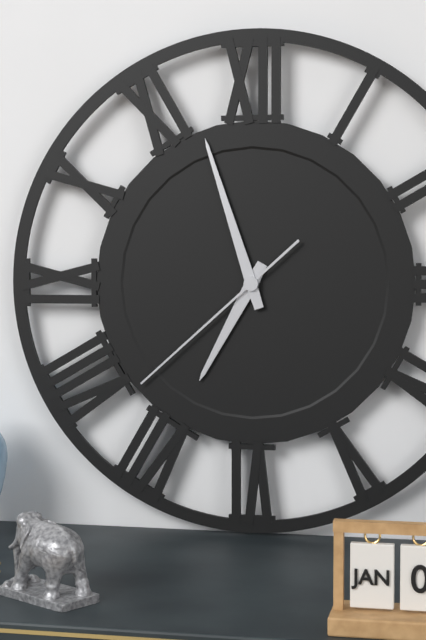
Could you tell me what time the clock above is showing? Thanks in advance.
6:57:38
